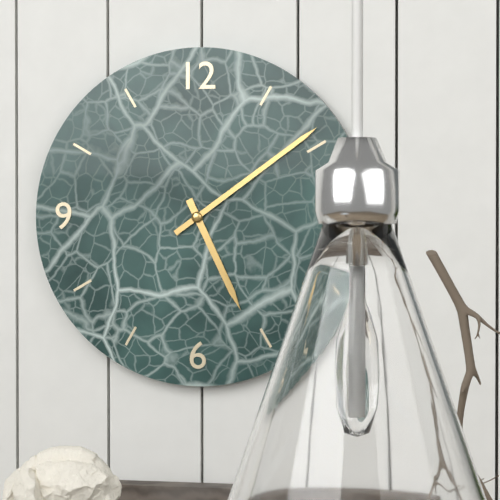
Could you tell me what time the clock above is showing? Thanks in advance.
5:09
